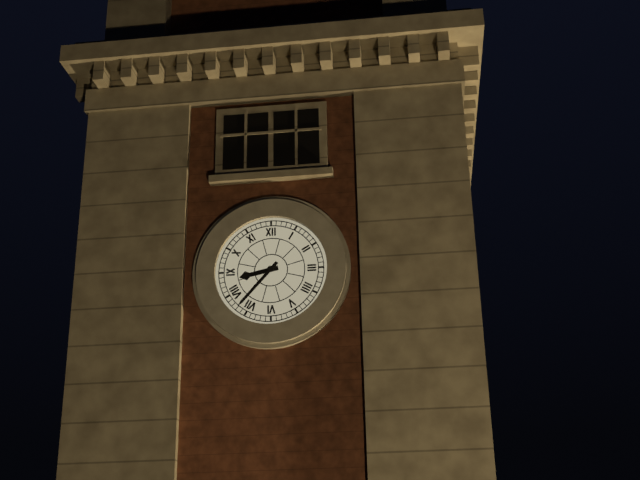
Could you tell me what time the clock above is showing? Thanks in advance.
8:37
